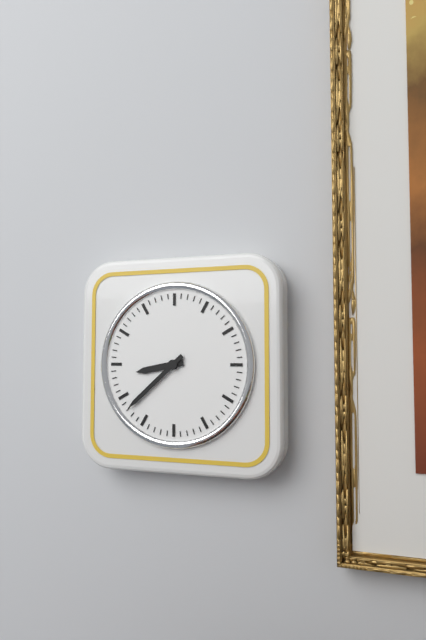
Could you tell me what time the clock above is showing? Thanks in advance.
8:38
